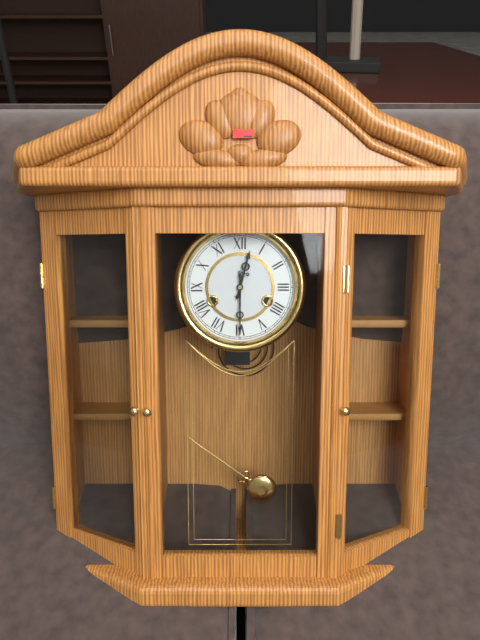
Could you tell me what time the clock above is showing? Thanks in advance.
12:30
